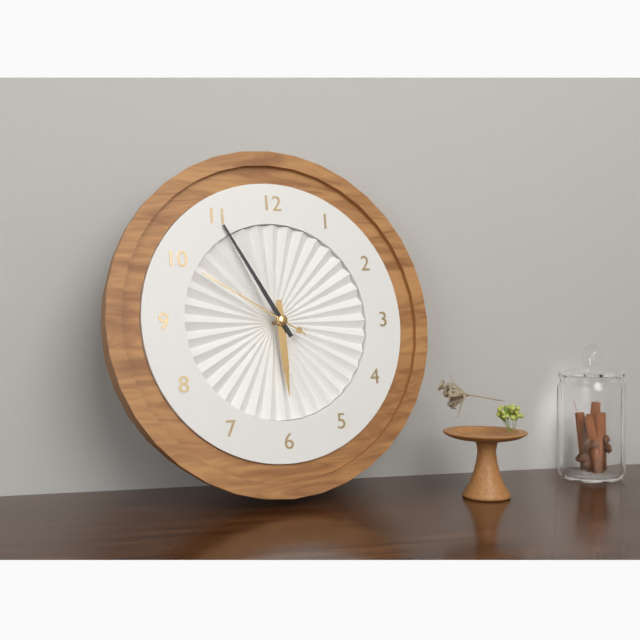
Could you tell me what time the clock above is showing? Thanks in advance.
5:55:50
